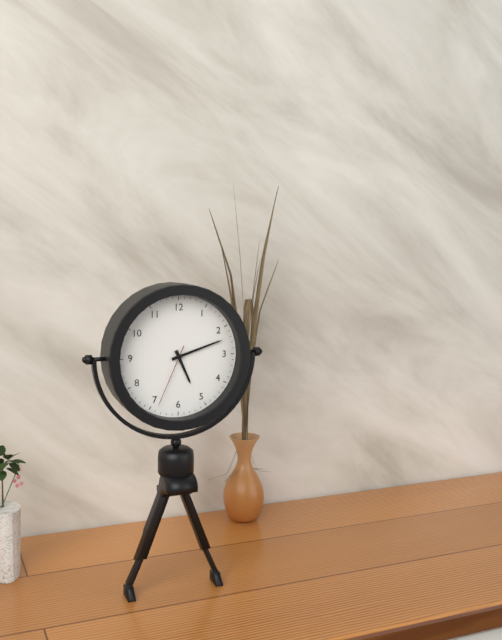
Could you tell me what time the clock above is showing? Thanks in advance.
5:12:34
